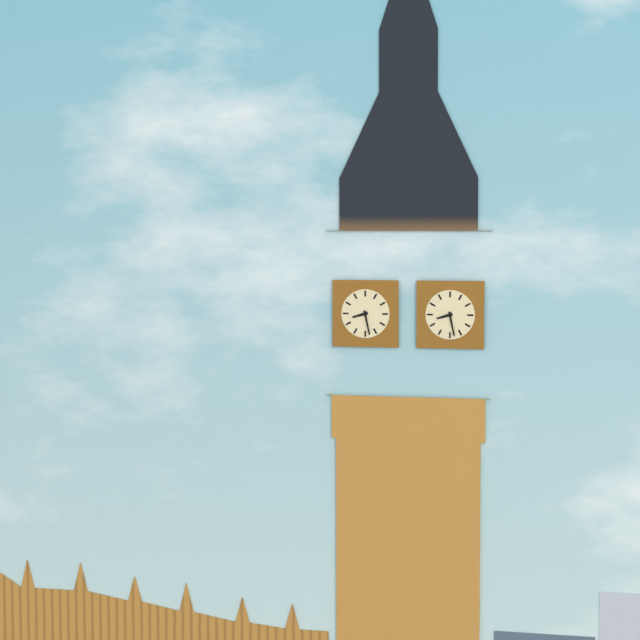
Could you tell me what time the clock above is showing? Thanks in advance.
8:28
